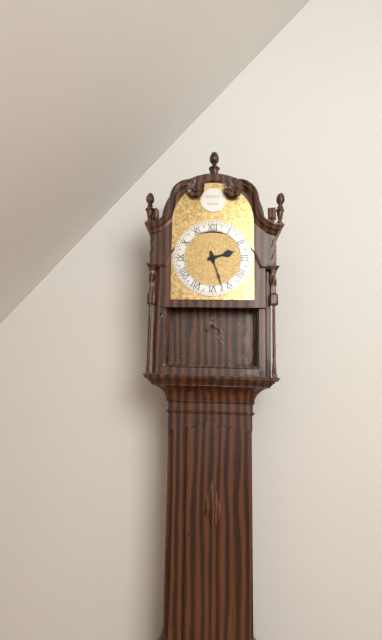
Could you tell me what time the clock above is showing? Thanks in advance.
2:27
